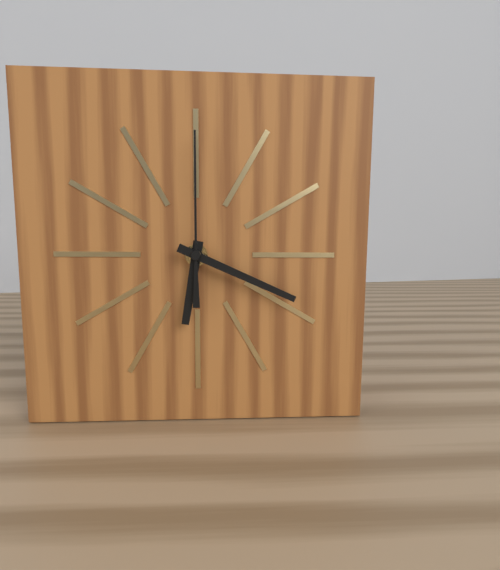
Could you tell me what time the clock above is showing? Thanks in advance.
6:19:00
